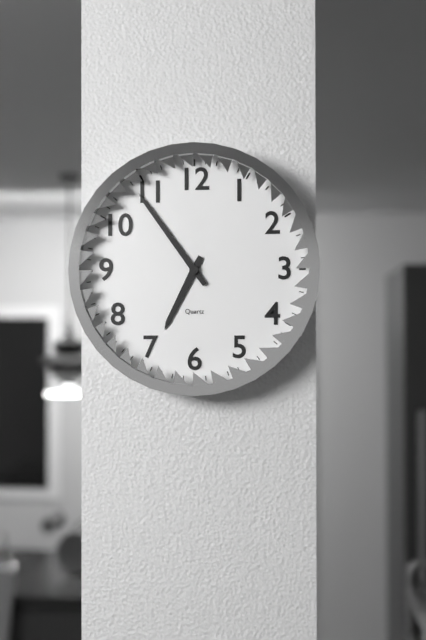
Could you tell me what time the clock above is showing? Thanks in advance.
6:54
